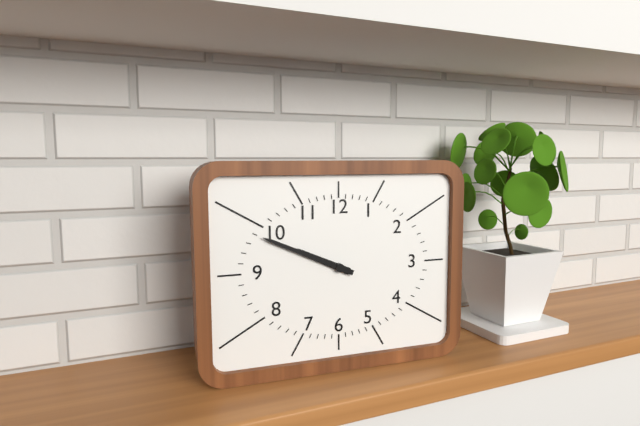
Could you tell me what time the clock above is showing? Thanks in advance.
9:49
